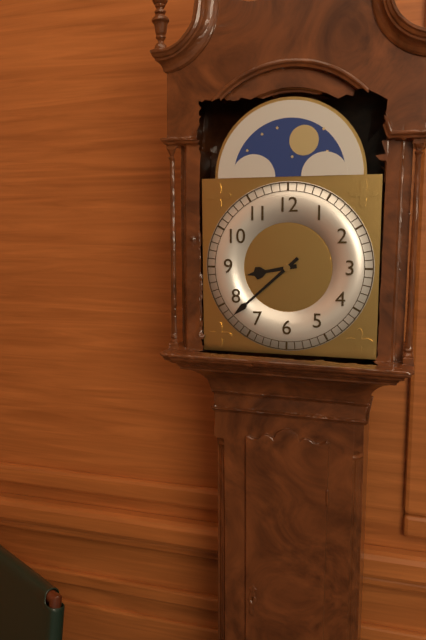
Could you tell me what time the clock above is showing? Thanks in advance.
8:38
